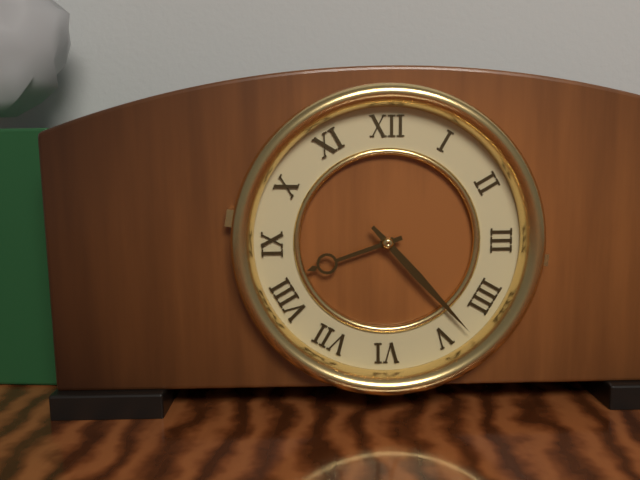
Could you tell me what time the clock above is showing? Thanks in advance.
8:23
